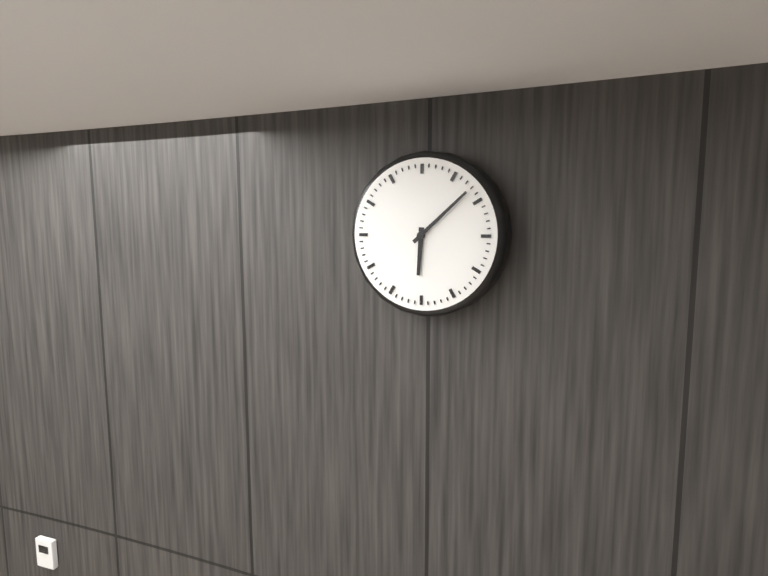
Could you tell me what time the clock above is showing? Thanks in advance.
6:08
